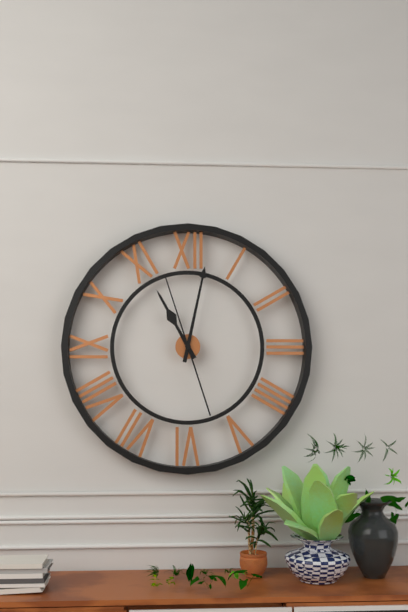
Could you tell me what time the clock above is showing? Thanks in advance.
11:02:57
